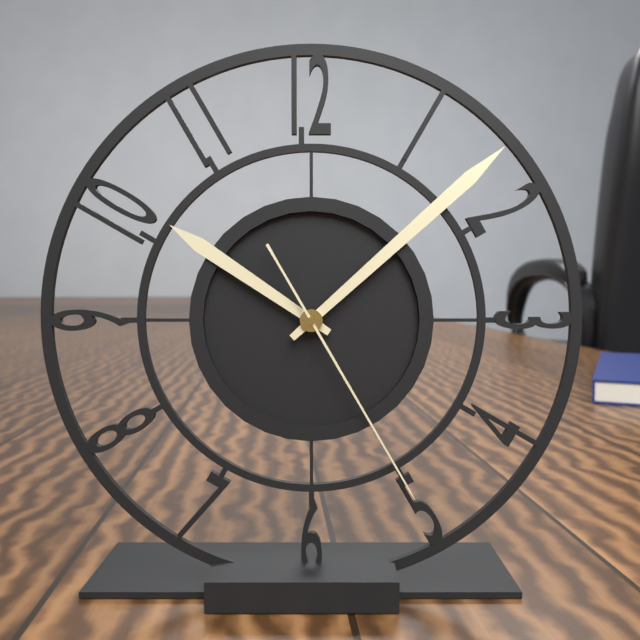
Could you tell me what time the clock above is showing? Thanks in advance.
10:08:25
